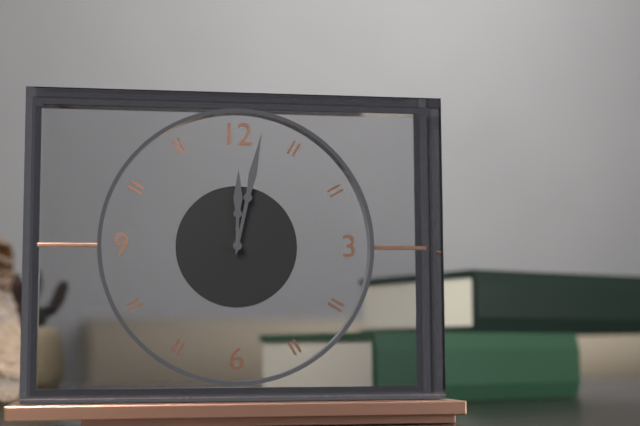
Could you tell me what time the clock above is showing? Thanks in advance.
12:02
